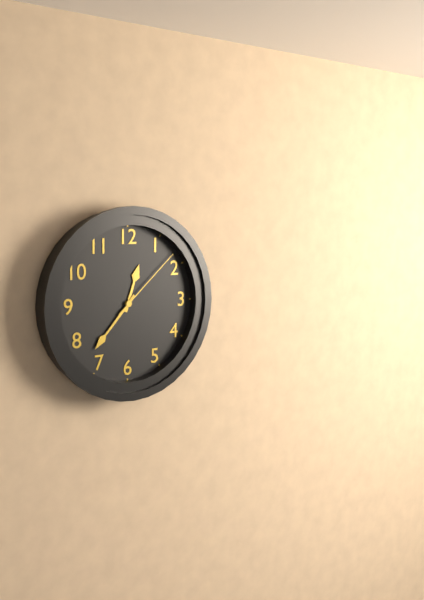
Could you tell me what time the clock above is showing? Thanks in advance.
12:37:08
